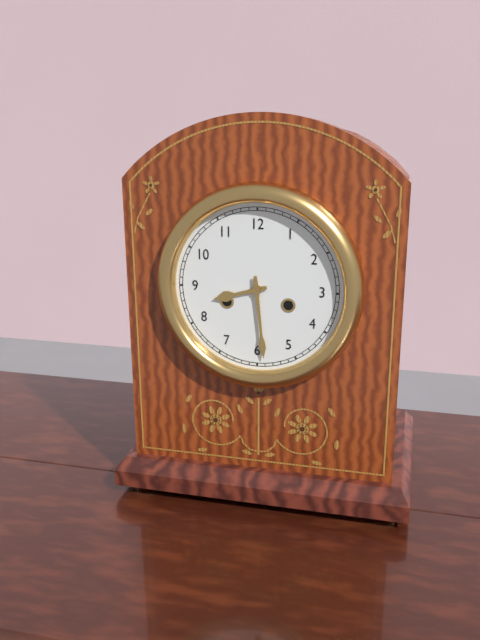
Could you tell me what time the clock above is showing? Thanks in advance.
8:29
